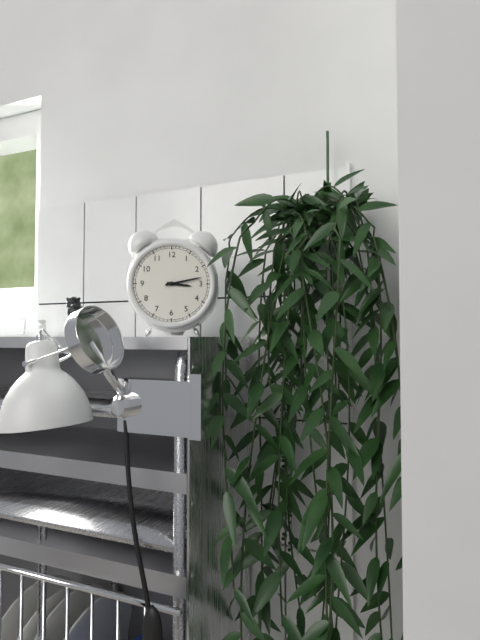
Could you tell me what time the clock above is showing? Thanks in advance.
3:13
